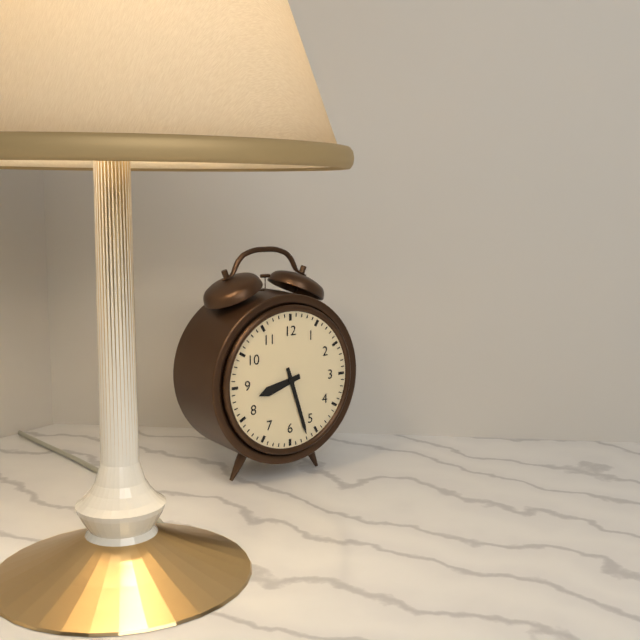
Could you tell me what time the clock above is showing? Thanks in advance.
8:27
